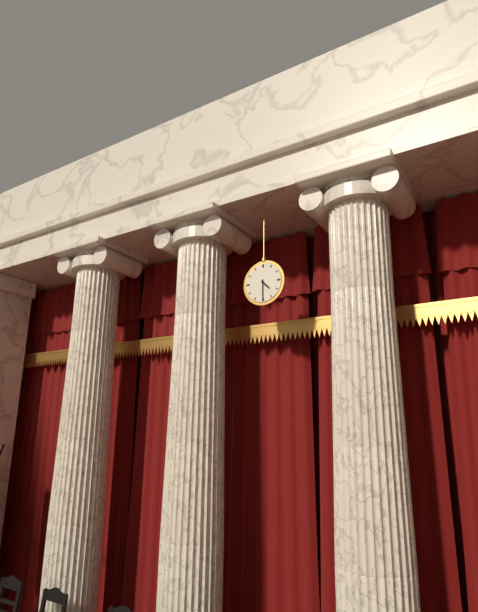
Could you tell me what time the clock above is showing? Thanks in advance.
4:30
